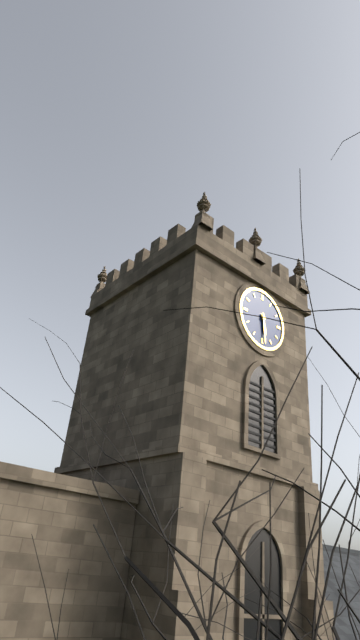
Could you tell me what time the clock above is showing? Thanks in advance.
5:29
